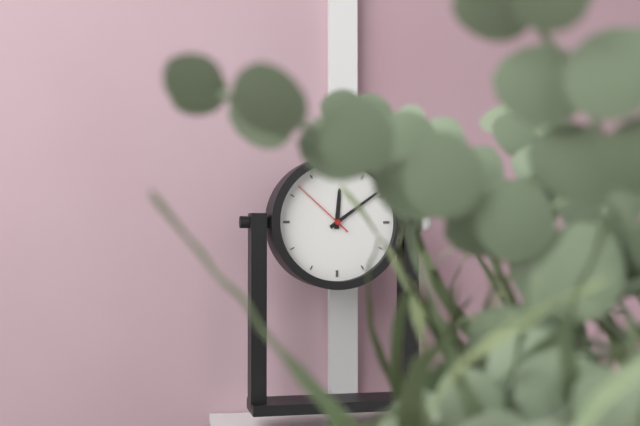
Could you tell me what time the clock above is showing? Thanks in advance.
12:09:52
